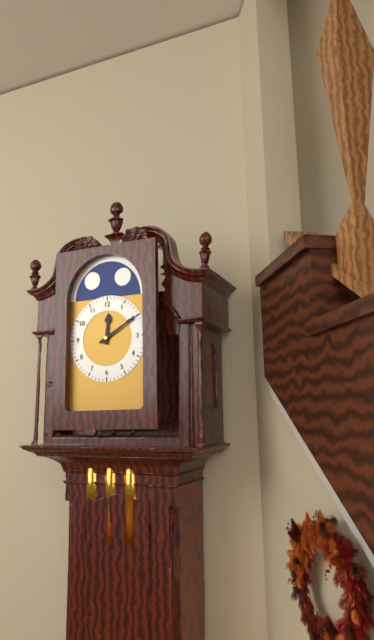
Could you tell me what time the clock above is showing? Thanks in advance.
12:10
